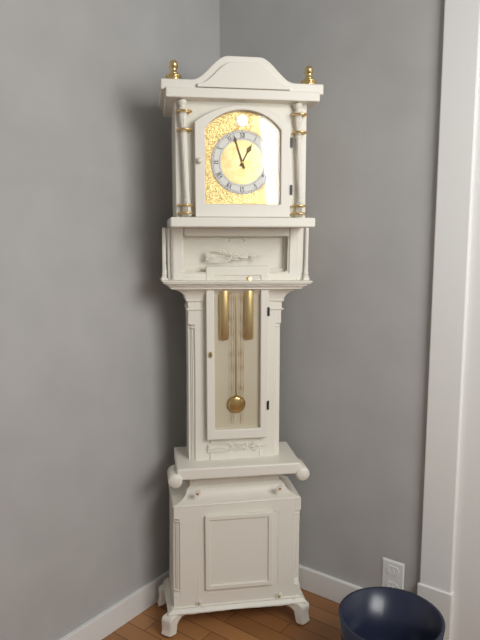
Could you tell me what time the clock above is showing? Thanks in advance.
12:57
